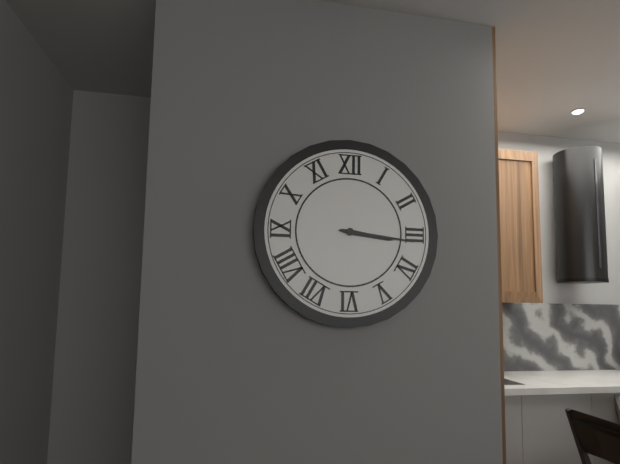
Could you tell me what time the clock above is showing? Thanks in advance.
3:16
